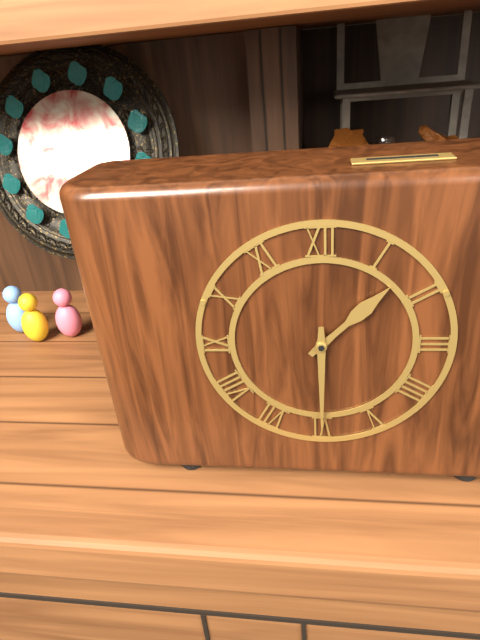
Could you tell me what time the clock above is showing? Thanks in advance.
1:30
